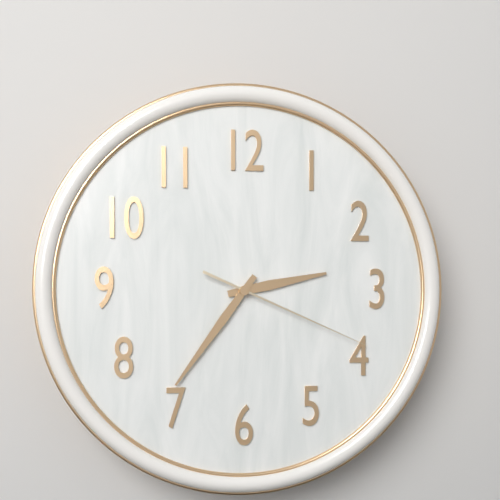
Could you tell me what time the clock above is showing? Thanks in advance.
2:36:19
